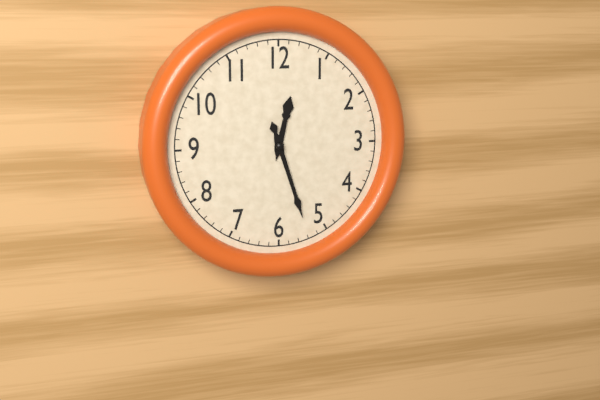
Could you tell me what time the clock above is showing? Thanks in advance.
12:27
